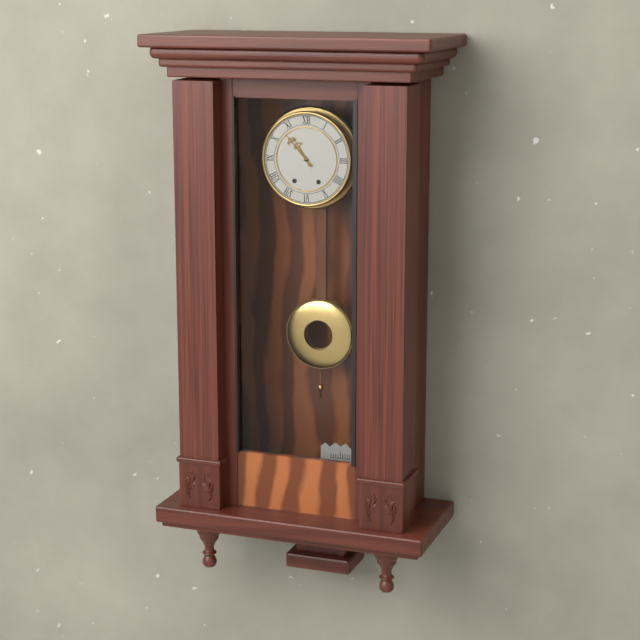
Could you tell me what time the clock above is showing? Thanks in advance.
10:53
